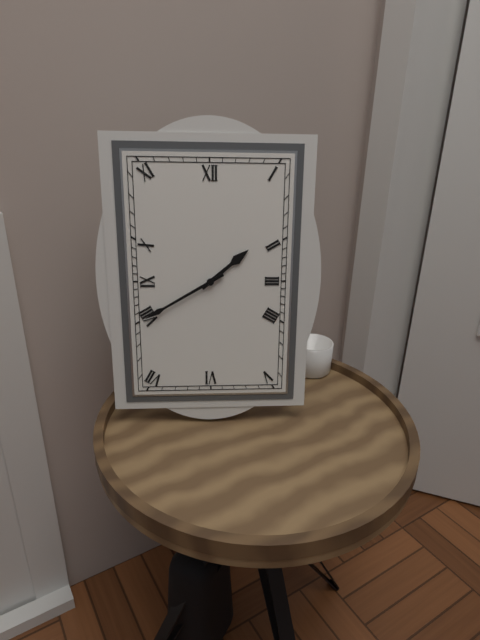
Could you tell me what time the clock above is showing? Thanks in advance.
1:40
